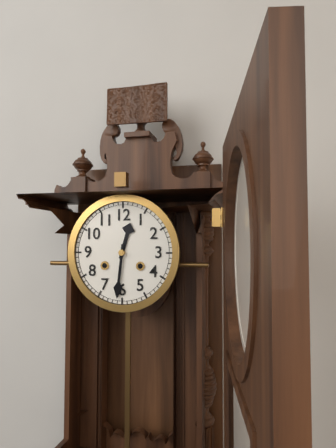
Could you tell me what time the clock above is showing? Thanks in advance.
12:31
